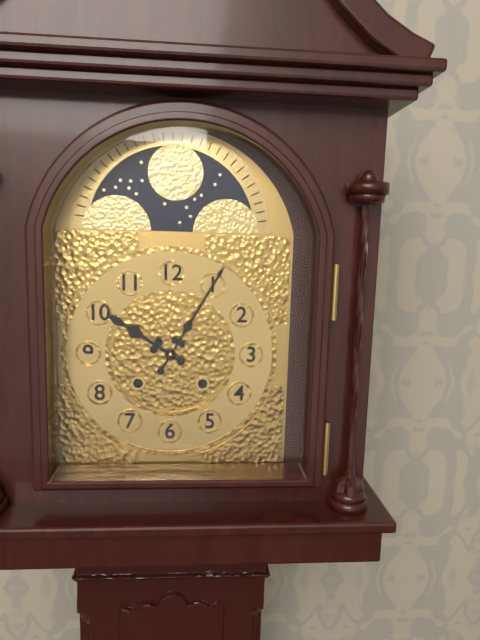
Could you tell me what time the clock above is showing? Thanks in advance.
10:05
